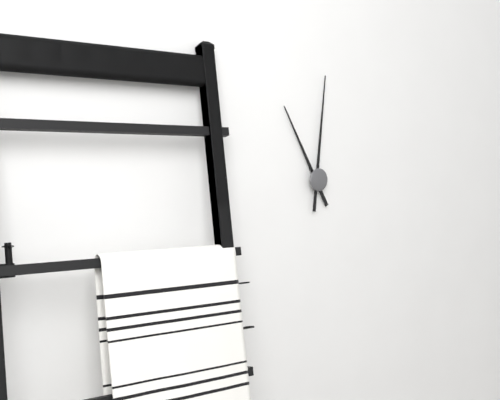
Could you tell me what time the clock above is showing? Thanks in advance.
11:01
